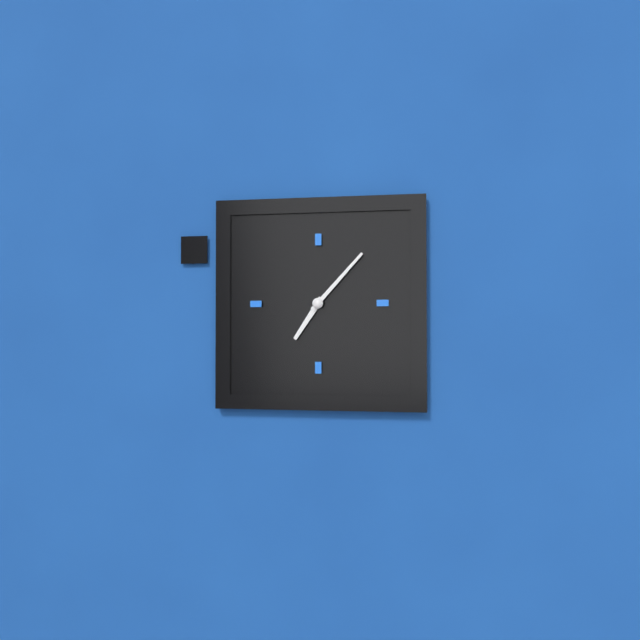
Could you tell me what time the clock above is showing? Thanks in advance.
7:07
